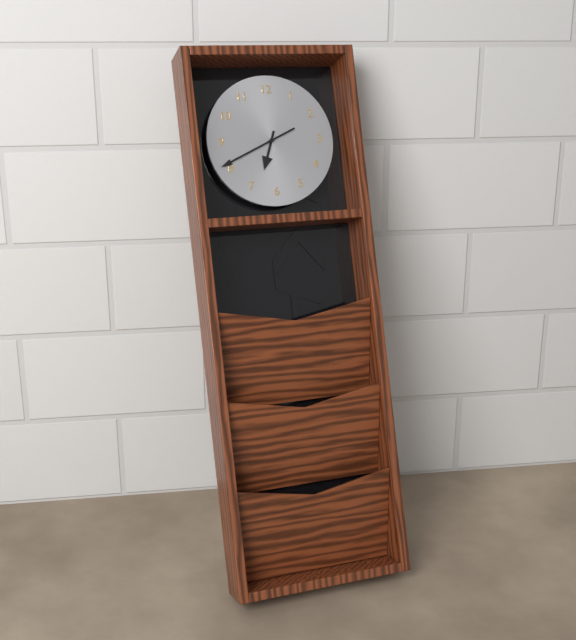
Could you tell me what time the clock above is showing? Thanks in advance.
6:41
